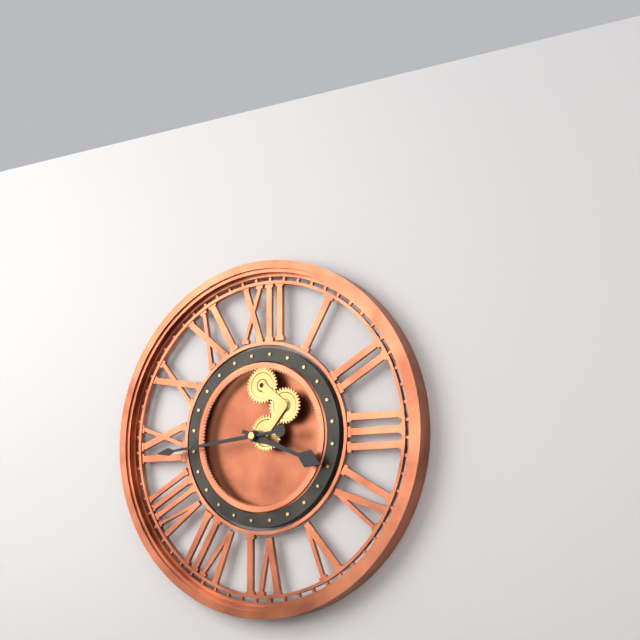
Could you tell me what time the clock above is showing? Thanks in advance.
3:44
